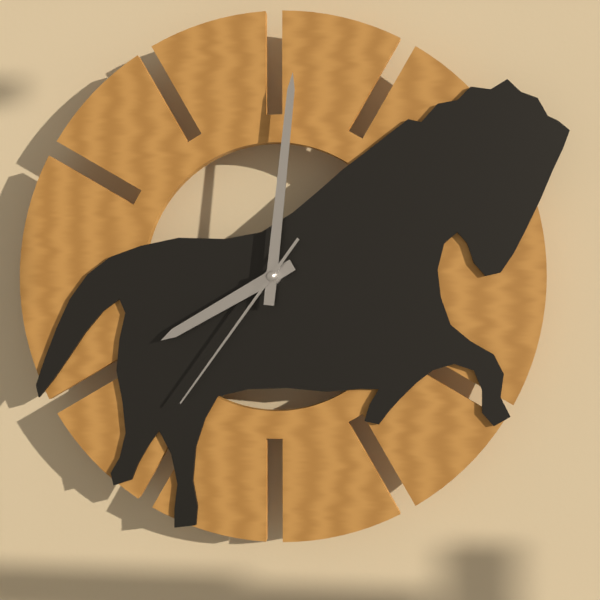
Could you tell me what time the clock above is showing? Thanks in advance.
8:01:36
